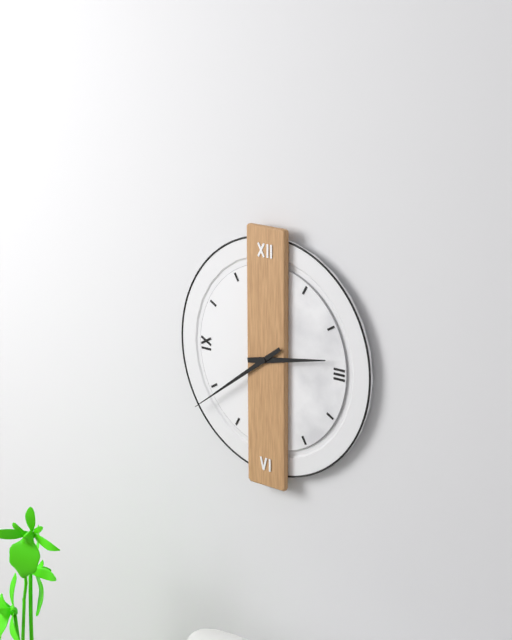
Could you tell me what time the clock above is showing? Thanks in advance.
2:39
